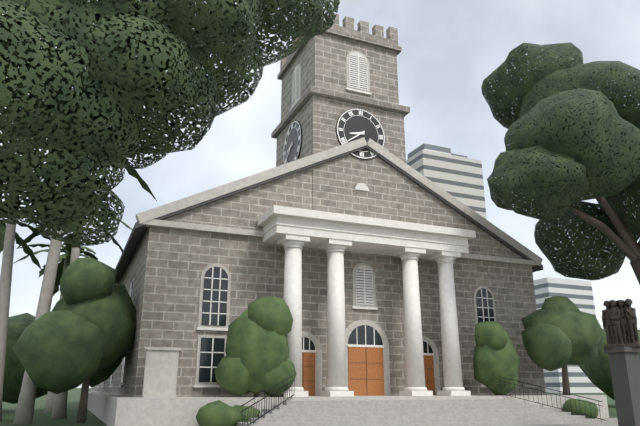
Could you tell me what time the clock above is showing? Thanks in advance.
8:39
